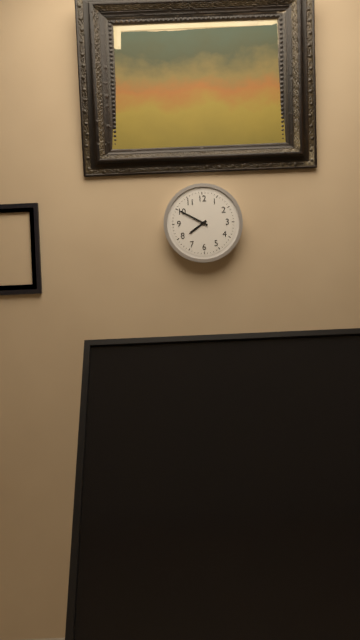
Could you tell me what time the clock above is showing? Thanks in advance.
7:50
